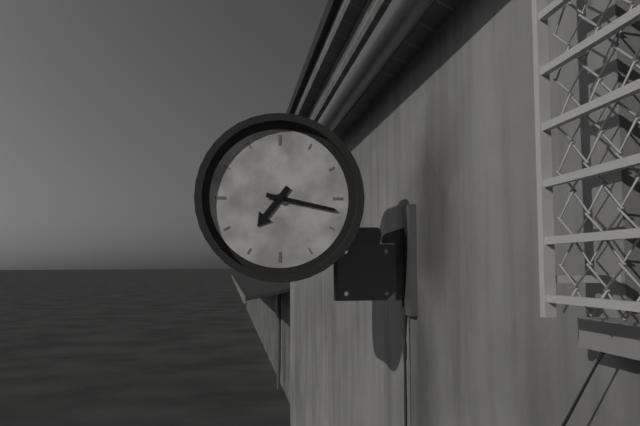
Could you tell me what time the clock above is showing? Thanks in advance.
7:17
